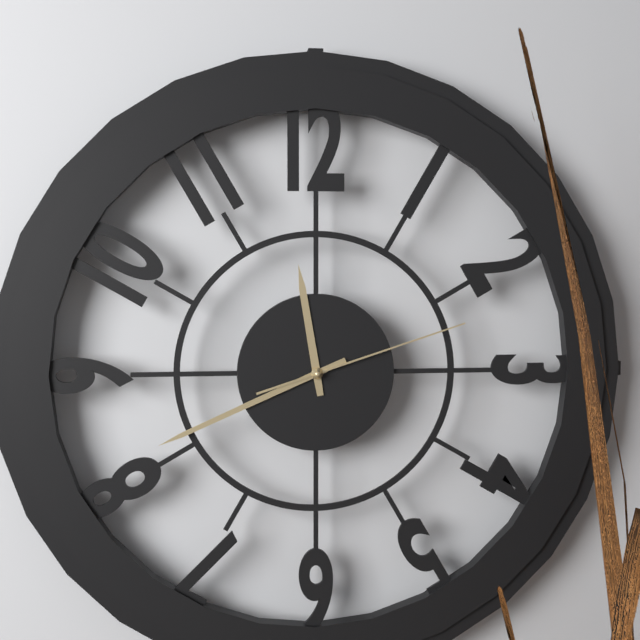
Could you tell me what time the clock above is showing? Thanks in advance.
11:41:12
